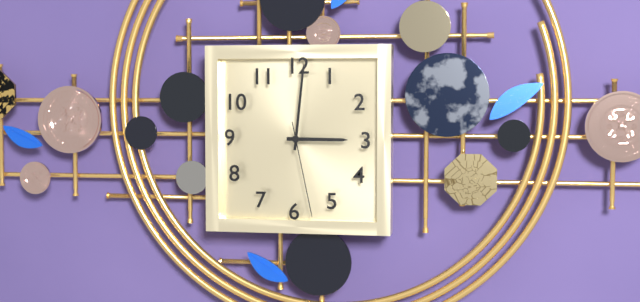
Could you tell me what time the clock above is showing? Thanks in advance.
3:01:28
